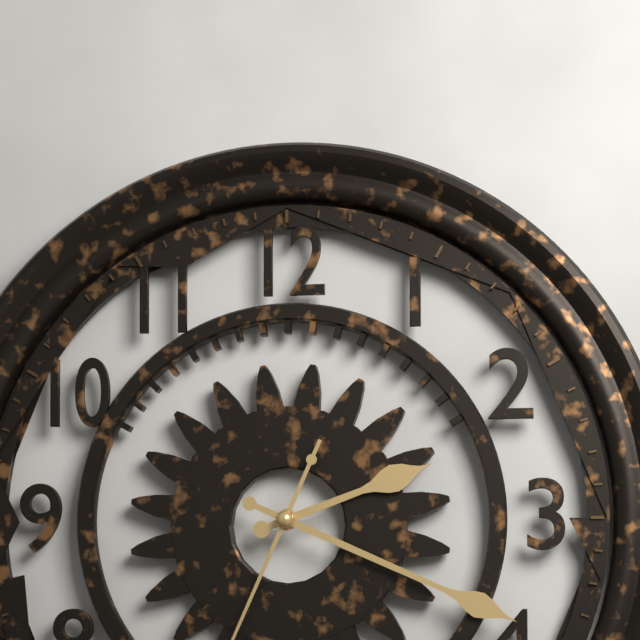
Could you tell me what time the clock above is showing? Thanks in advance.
2:19
